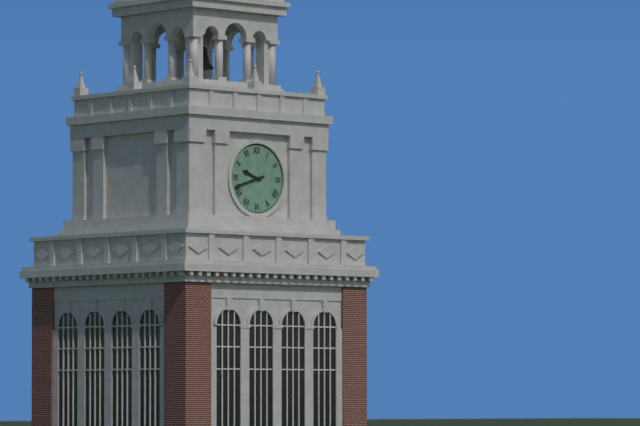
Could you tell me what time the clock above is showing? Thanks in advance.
9:42
